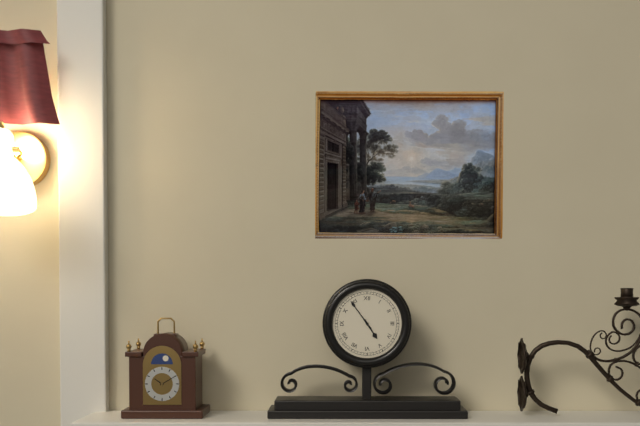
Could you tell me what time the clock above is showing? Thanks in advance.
4:54
